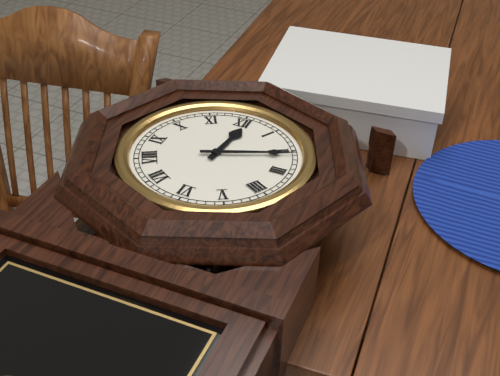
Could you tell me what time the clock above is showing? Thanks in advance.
12:11
